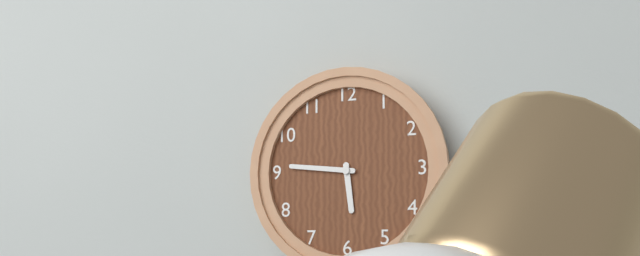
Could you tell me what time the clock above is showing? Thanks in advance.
5:46
